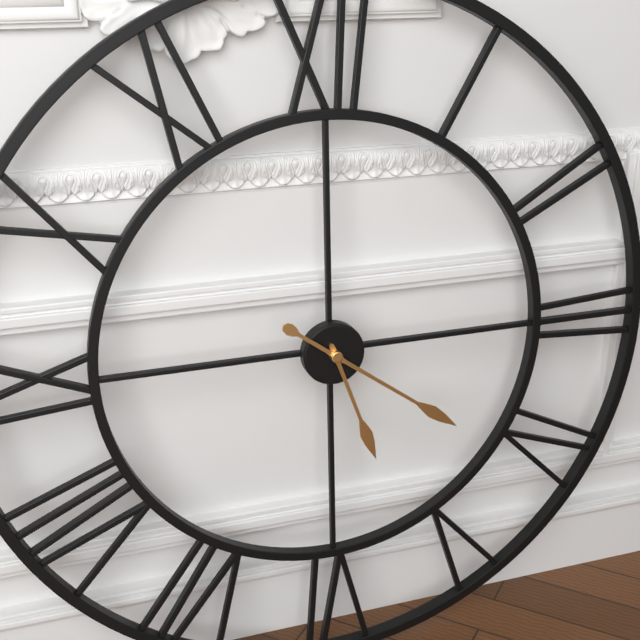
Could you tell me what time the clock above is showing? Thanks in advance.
5:21
